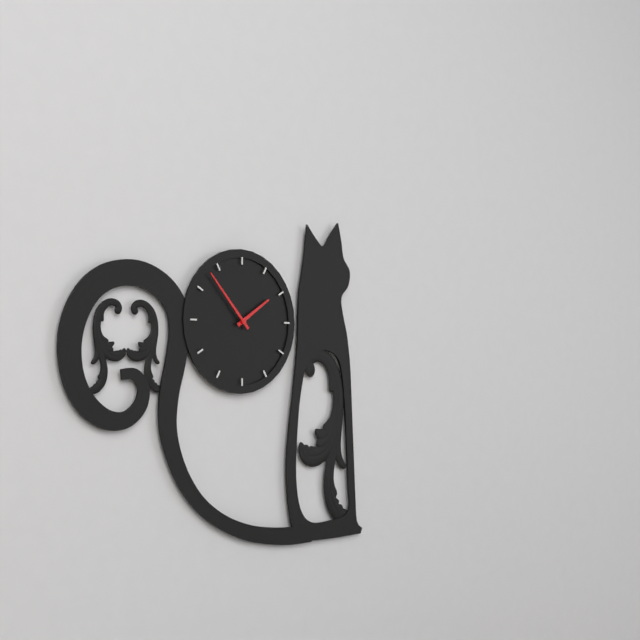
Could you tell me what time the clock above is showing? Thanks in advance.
1:53
